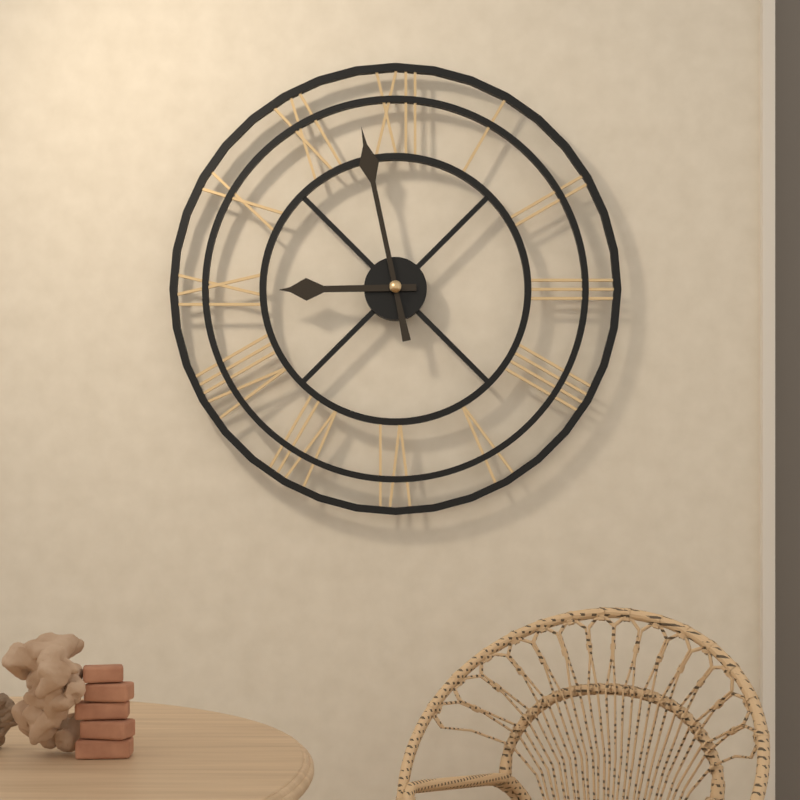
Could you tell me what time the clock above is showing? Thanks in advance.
8:58
